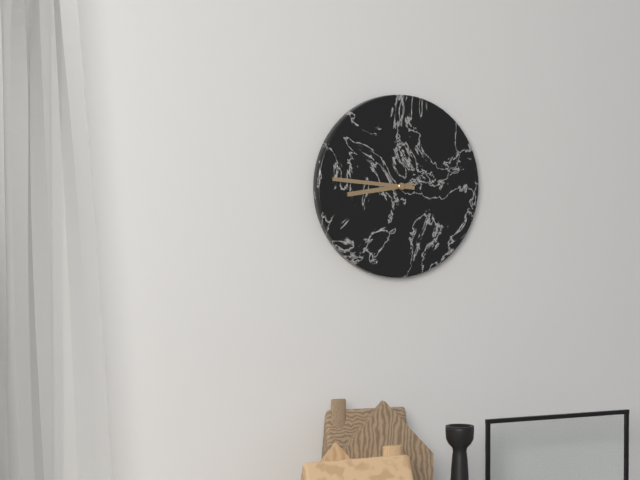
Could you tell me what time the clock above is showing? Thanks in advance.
8:46
